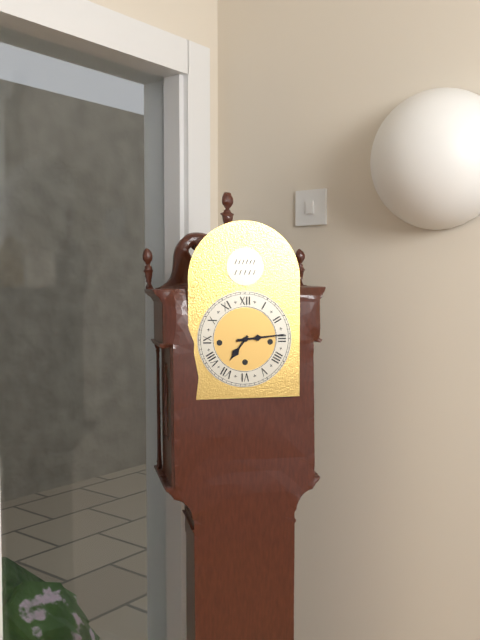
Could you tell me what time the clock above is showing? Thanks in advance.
7:14
